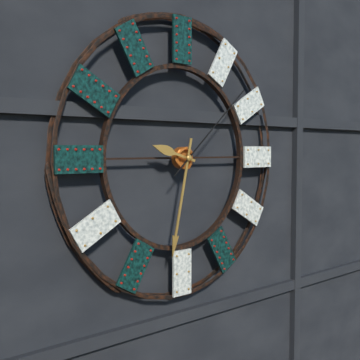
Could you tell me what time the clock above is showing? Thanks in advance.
9:32:08
